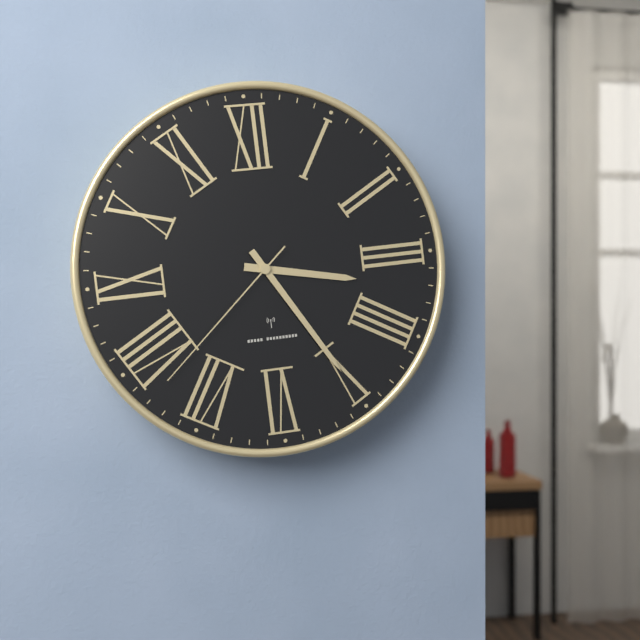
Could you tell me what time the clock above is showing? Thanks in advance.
3:25:38
